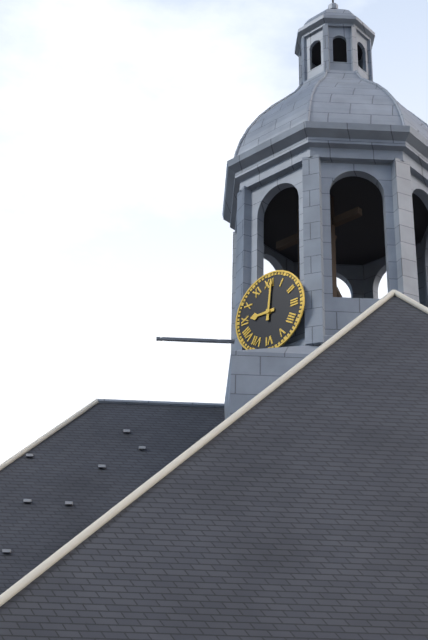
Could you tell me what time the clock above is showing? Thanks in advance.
9:01
